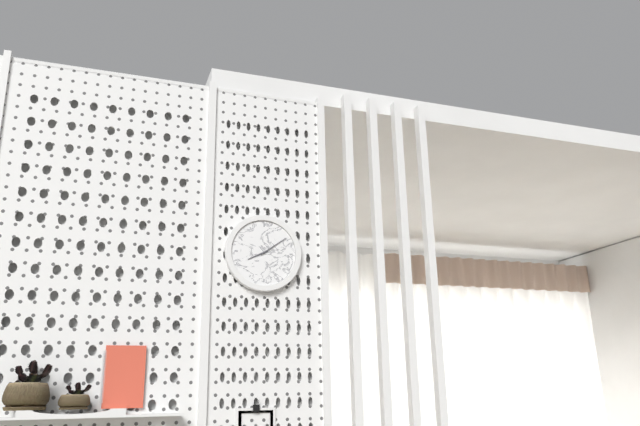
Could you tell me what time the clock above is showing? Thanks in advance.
8:09
